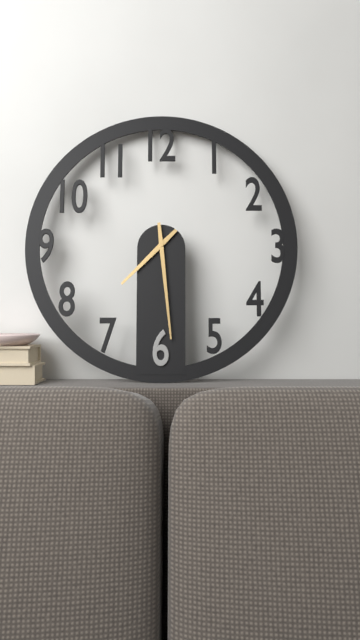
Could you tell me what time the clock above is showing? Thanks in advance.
7:29
